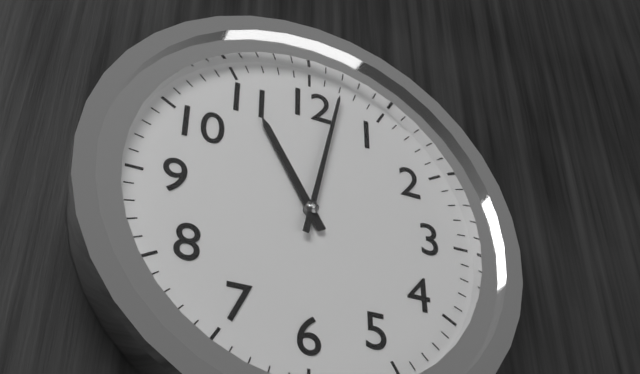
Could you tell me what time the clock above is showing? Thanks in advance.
11:02
